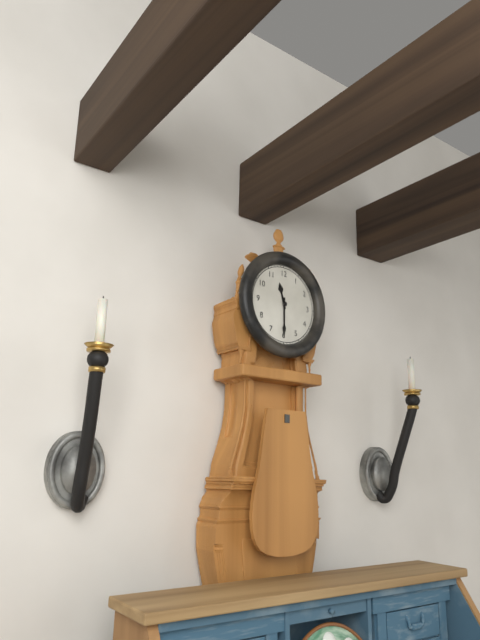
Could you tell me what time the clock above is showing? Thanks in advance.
11:30
